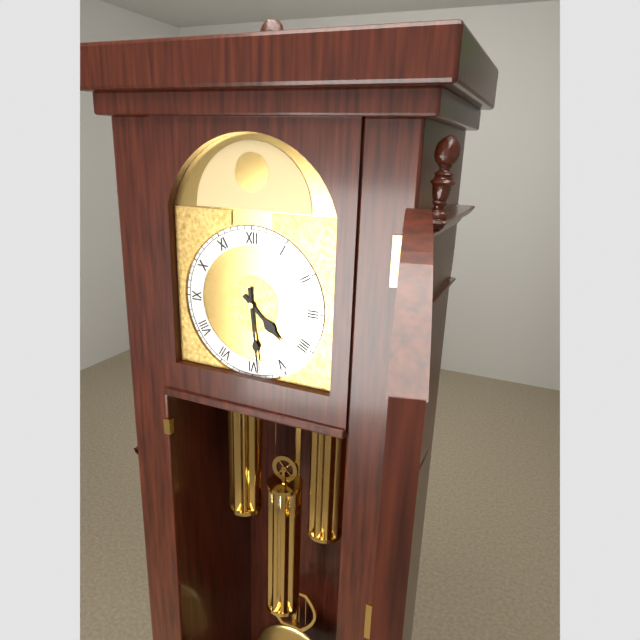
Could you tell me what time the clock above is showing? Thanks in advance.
4:29
